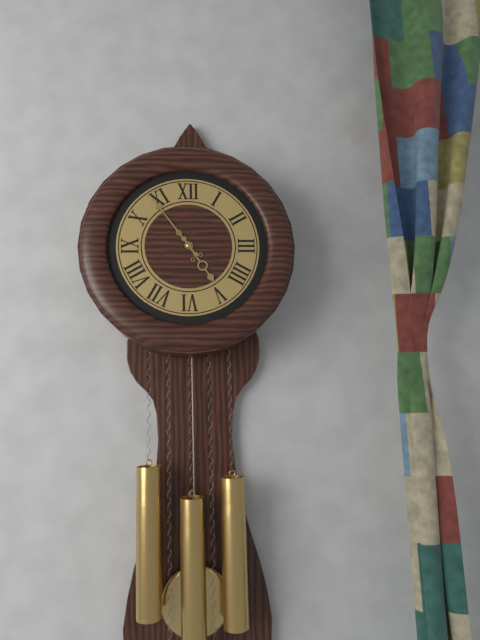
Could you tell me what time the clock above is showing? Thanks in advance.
4:54
